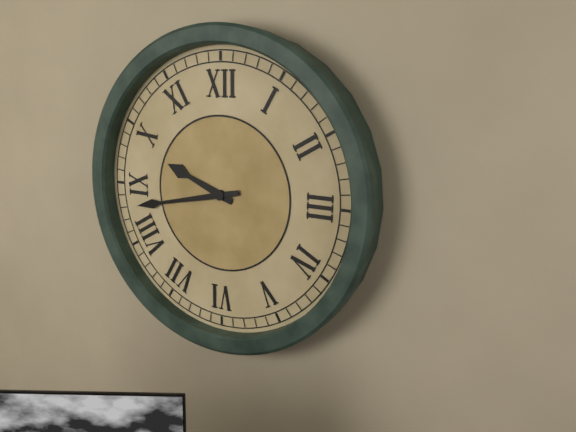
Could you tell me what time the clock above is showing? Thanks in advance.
9:43
